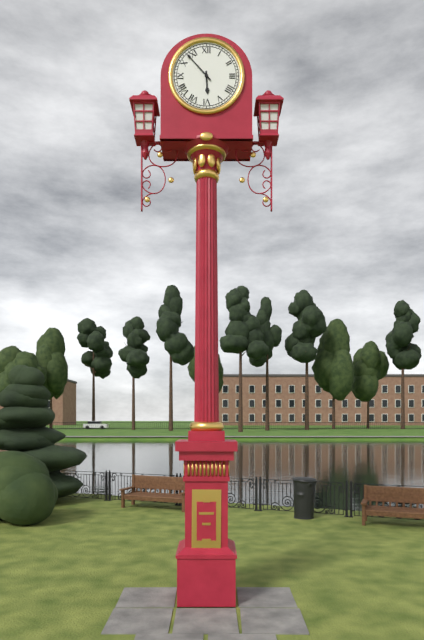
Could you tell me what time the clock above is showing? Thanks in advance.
5:53
